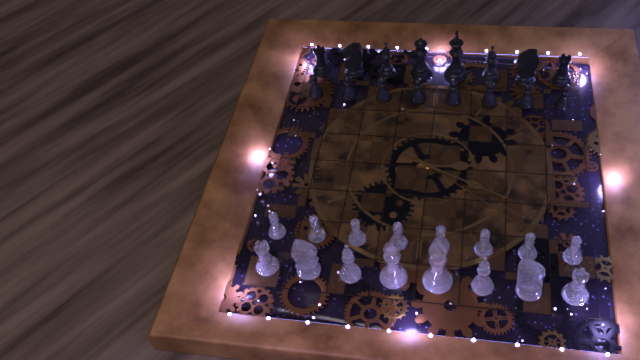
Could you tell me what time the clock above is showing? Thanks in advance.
8:49:51
